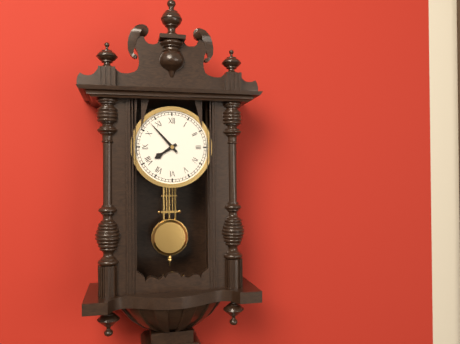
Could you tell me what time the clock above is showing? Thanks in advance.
7:53
